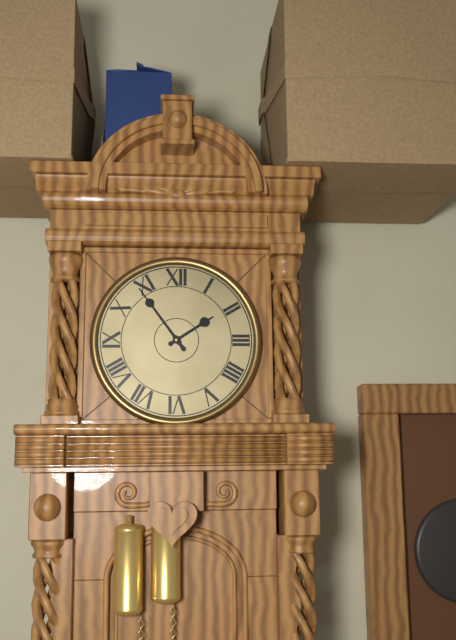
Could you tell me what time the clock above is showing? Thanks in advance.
1:54
